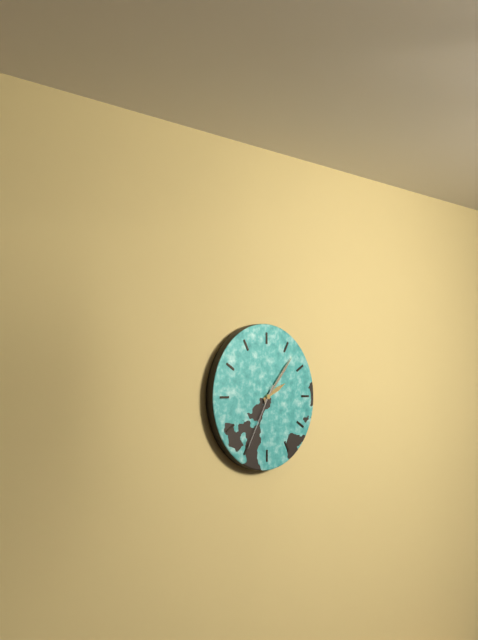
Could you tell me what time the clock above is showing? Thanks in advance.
2:07:35
